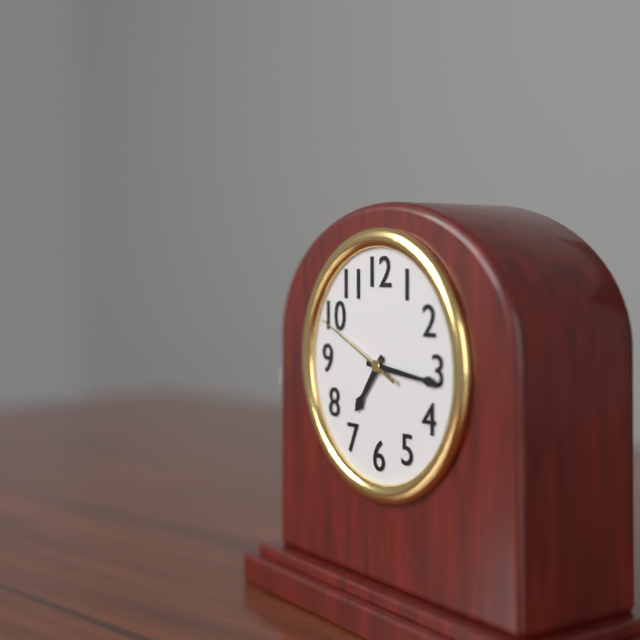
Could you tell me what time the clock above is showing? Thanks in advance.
7:16:49
